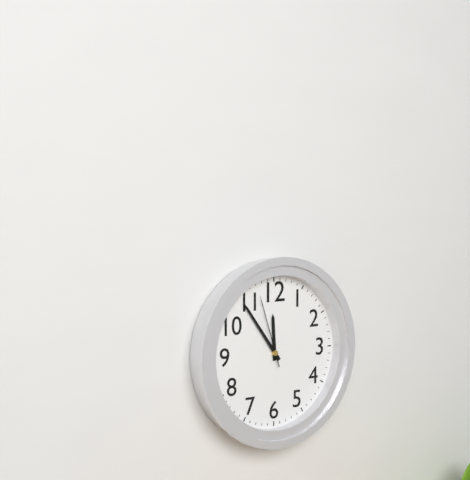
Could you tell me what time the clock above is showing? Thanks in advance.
11:54:57
